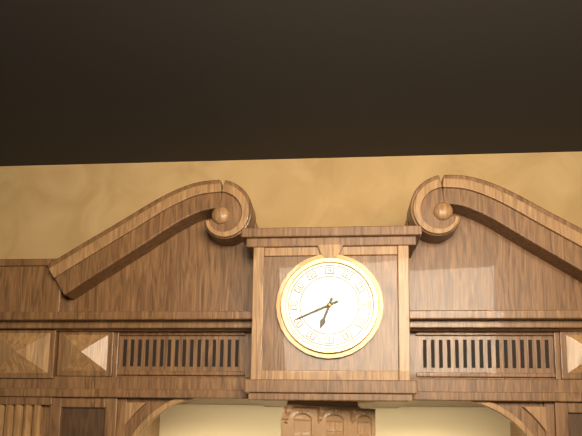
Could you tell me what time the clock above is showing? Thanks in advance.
6:41
